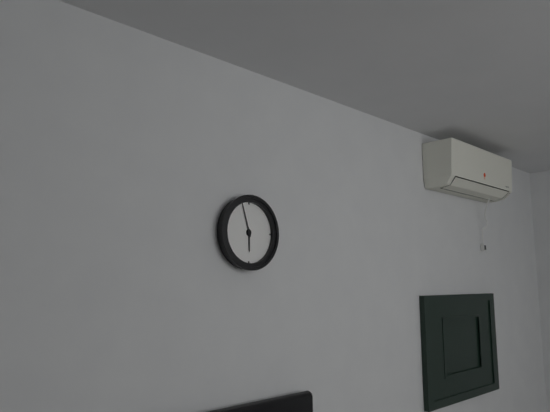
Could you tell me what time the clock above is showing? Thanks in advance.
5:57
